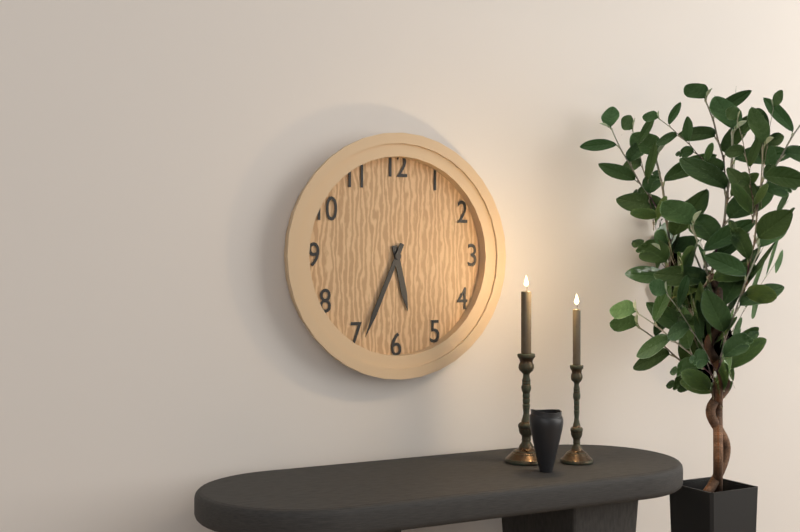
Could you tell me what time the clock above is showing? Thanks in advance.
5:34
